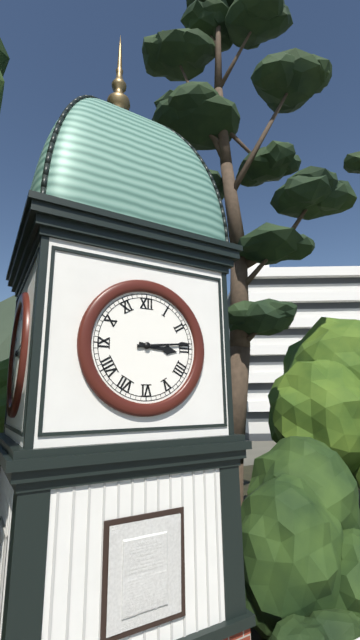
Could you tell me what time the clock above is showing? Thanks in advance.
3:14
